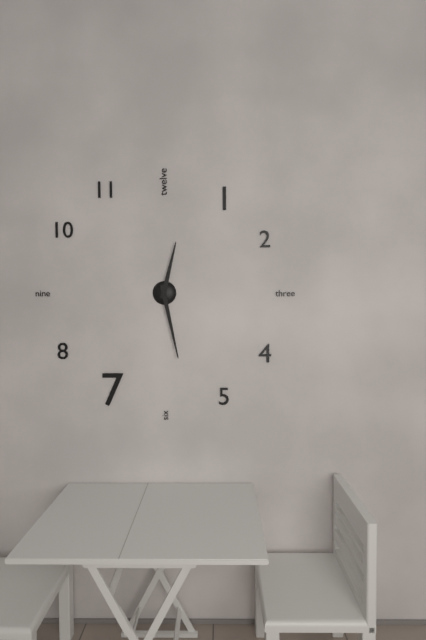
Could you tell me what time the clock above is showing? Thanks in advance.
12:28
